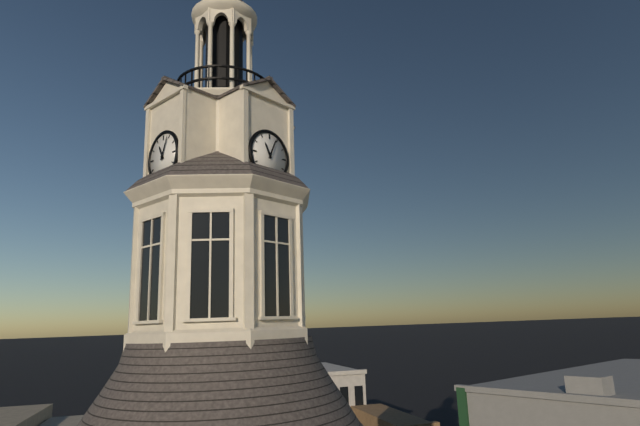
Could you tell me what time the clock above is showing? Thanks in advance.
11:04
